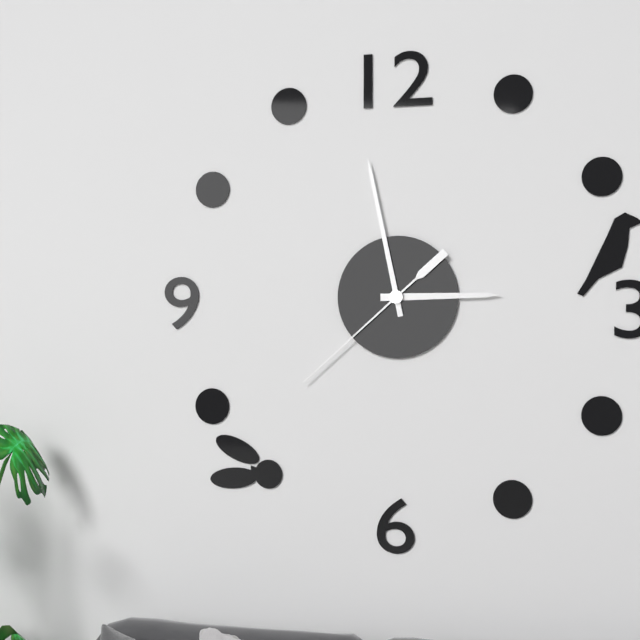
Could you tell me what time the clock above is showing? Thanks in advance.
2:58:38
